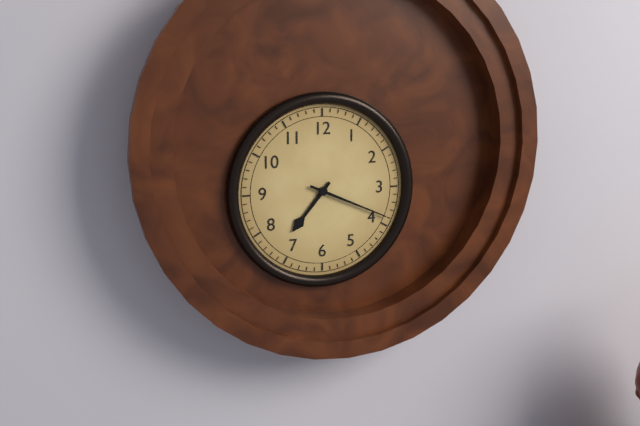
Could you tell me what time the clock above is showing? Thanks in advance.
7:19
